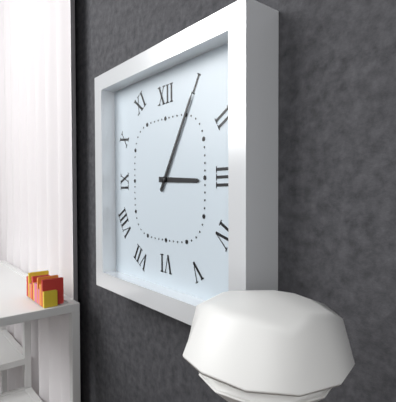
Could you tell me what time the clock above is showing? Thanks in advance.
3:05
